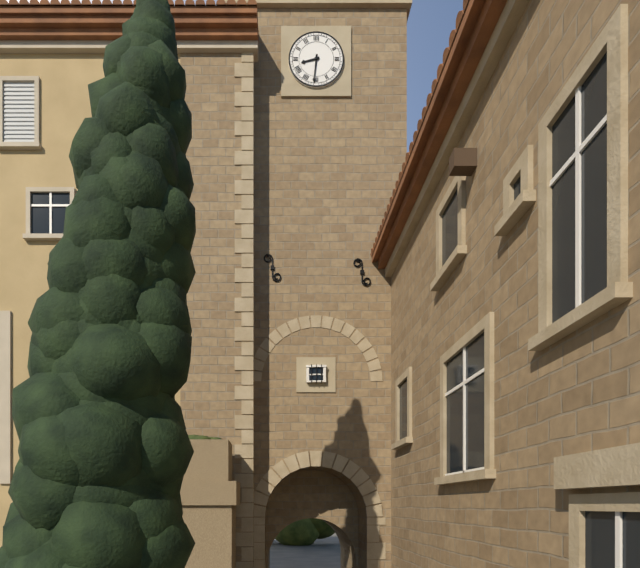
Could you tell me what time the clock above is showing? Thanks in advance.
8:31
